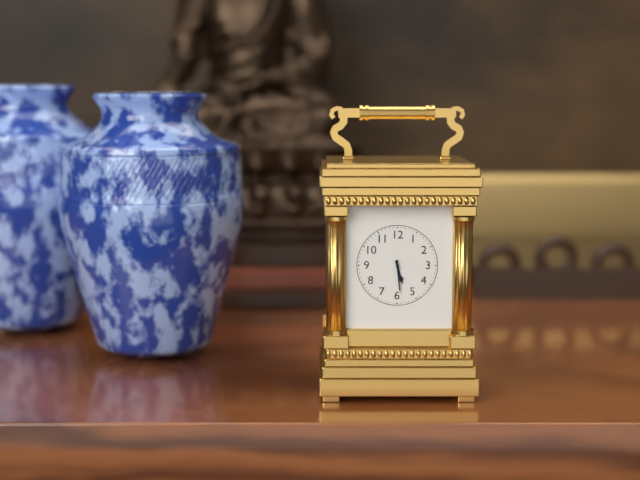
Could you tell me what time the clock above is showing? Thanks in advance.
5:29
